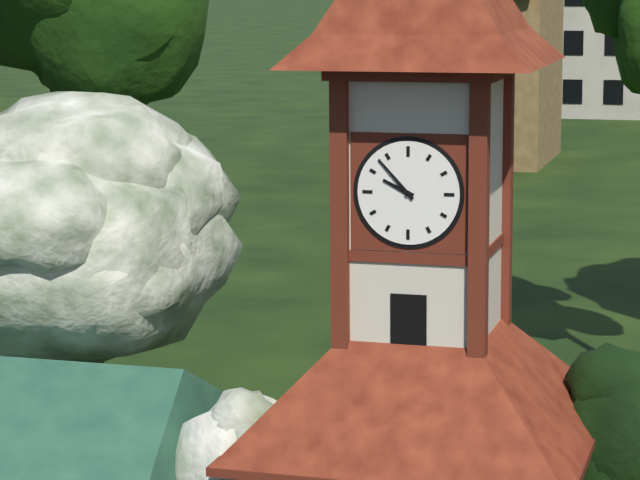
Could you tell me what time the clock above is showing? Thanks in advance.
9:53
